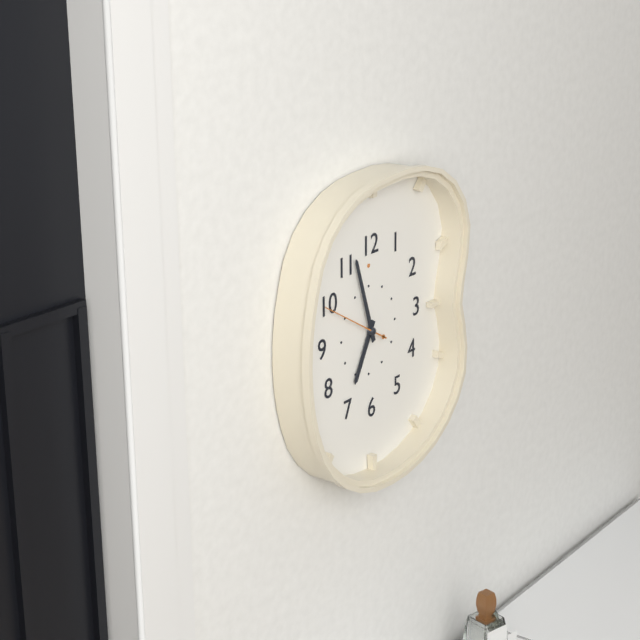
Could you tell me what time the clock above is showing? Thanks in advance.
6:57:50
